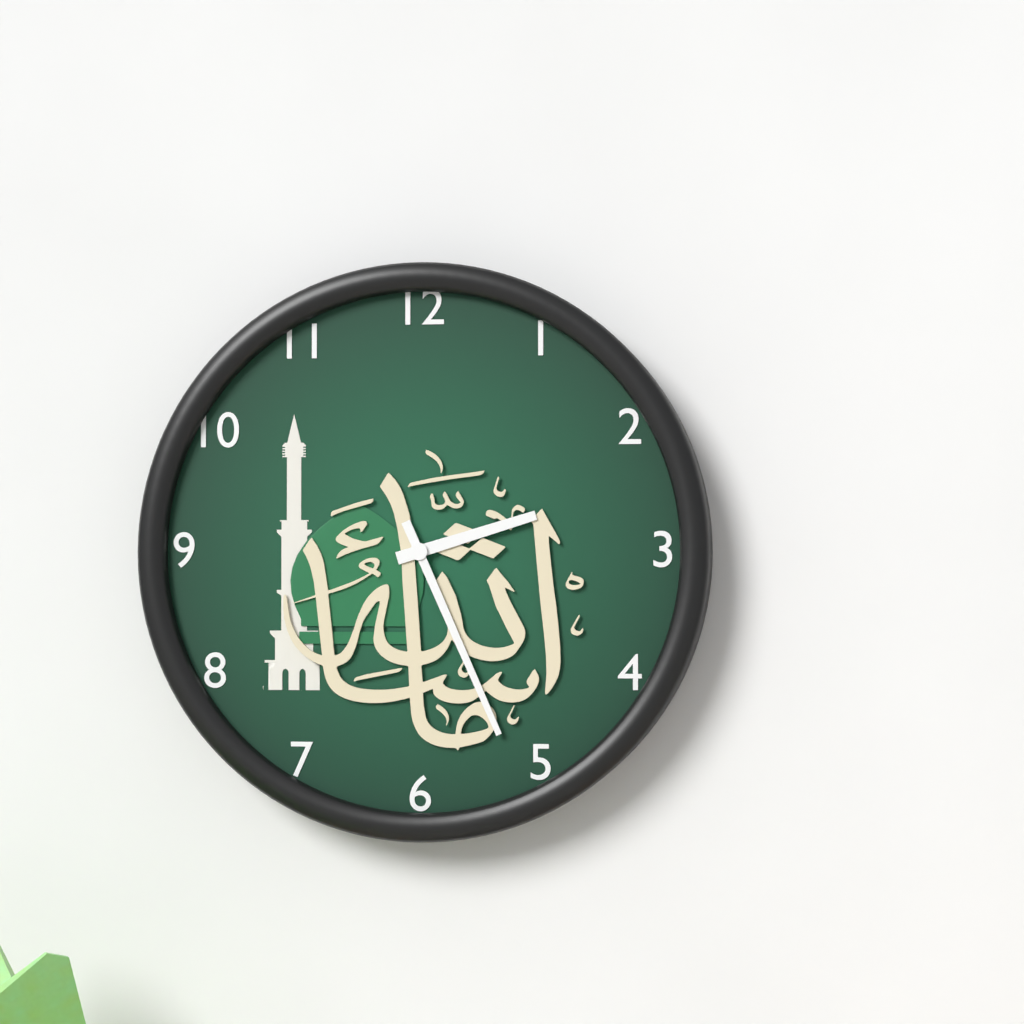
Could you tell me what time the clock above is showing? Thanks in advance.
2:26
